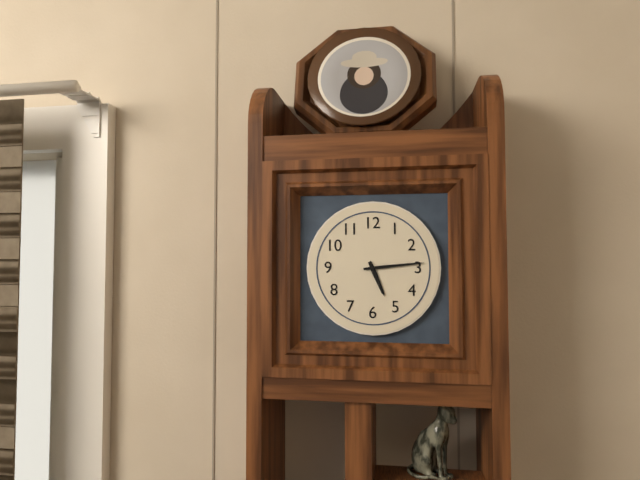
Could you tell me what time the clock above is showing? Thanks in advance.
5:14
